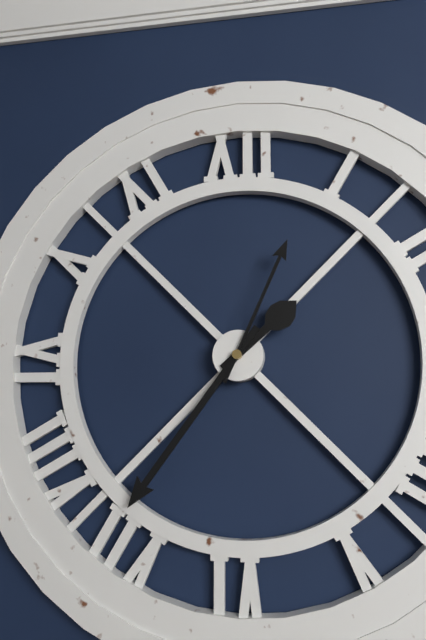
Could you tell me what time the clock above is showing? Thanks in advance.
1:36:04
